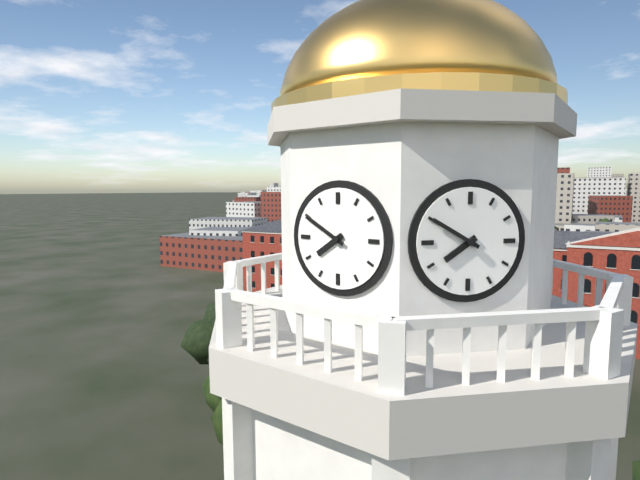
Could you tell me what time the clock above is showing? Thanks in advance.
7:50
